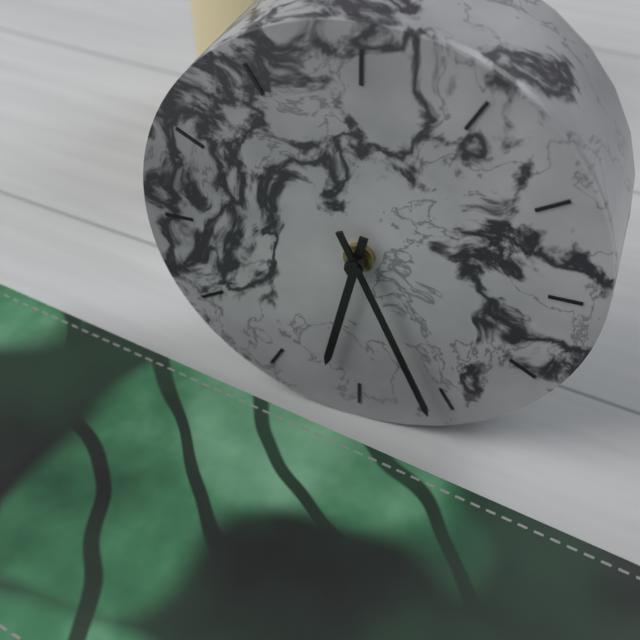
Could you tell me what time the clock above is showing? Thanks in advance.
6:26
